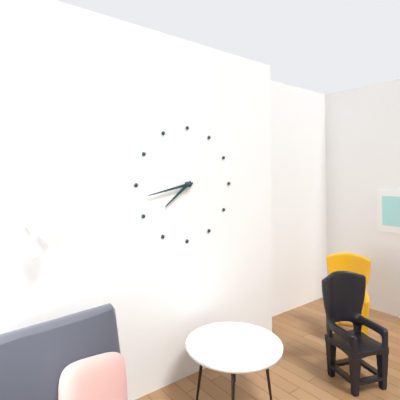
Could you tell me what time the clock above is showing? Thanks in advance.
7:43
